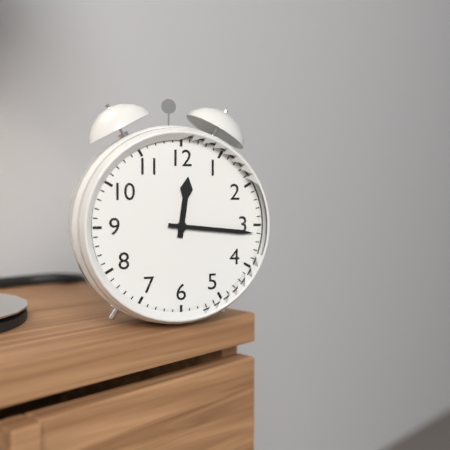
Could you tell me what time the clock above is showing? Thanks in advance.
12:16
